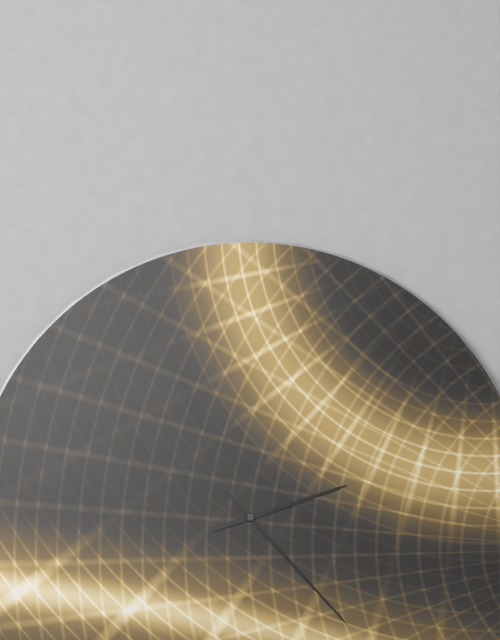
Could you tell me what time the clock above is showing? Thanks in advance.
2:23
